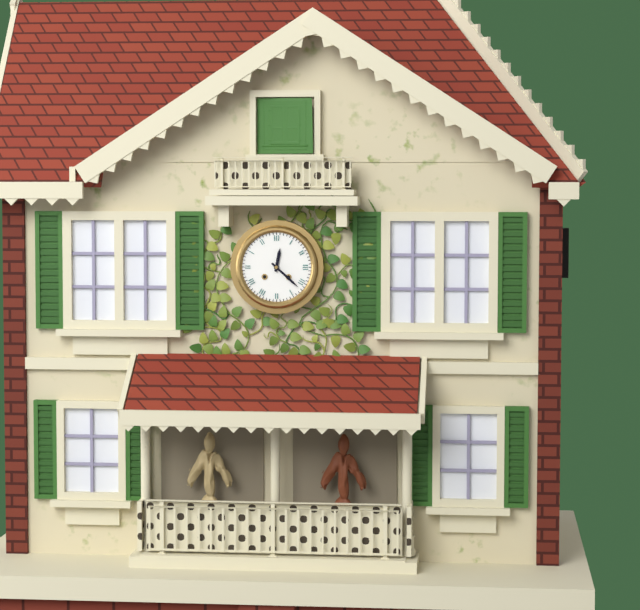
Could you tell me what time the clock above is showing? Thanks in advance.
12:22
